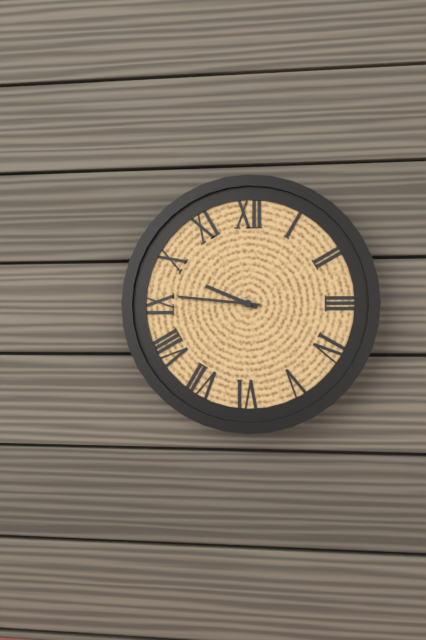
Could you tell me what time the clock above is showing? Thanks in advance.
9:46
